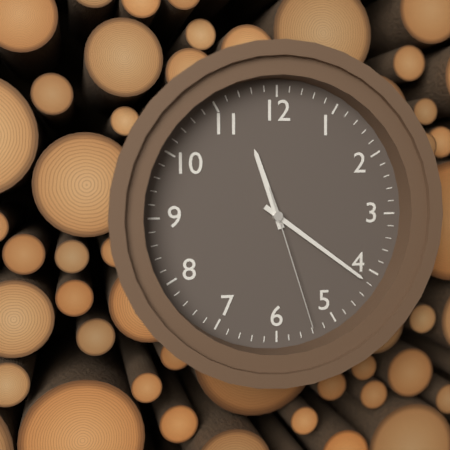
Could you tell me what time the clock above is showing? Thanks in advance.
11:21:27
